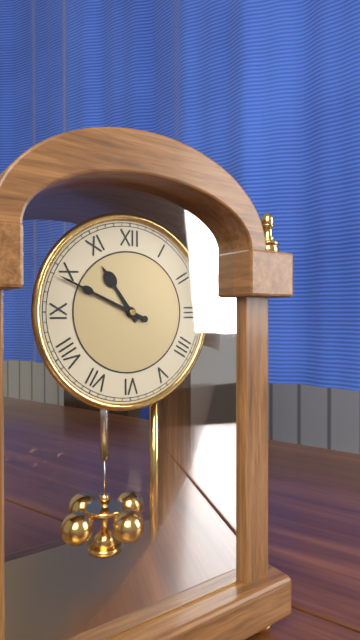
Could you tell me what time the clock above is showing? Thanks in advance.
10:49
